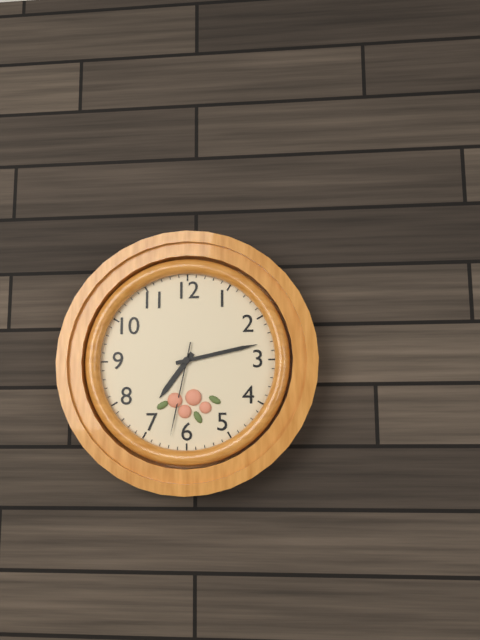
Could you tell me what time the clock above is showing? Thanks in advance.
7:13:32
